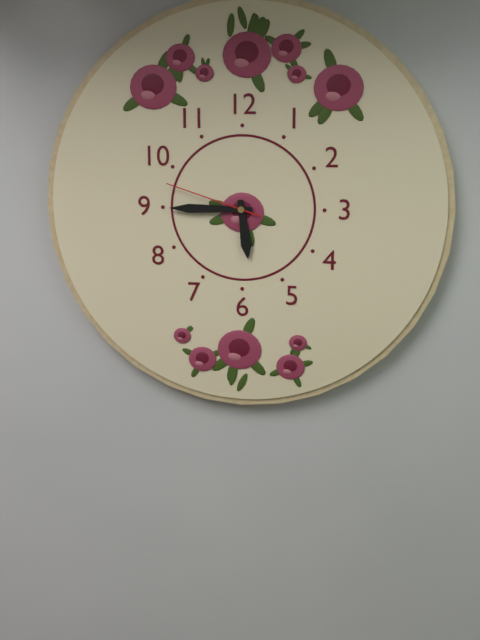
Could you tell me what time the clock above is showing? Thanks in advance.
5:45:48
